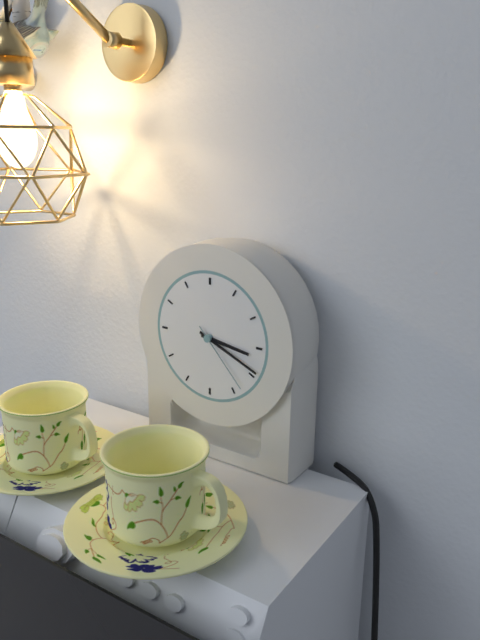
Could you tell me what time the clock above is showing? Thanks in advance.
3:19:23
